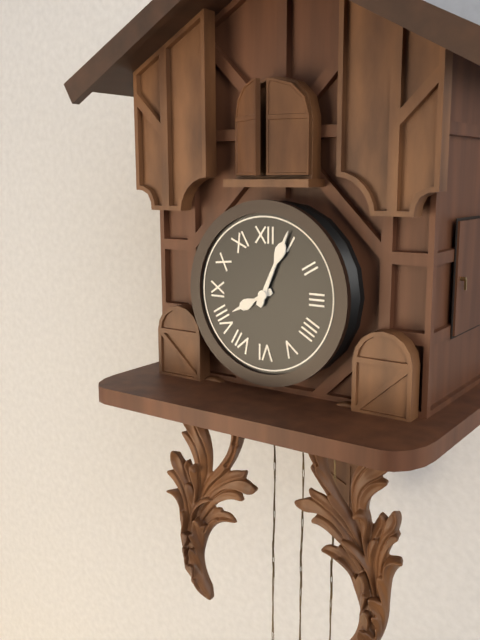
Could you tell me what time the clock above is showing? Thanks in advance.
8:04
